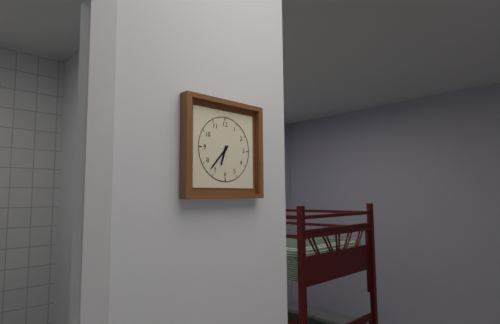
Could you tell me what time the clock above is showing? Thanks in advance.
6:37
